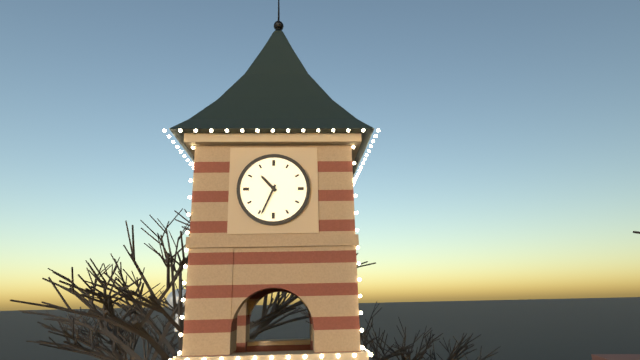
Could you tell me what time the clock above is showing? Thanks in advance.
10:34
